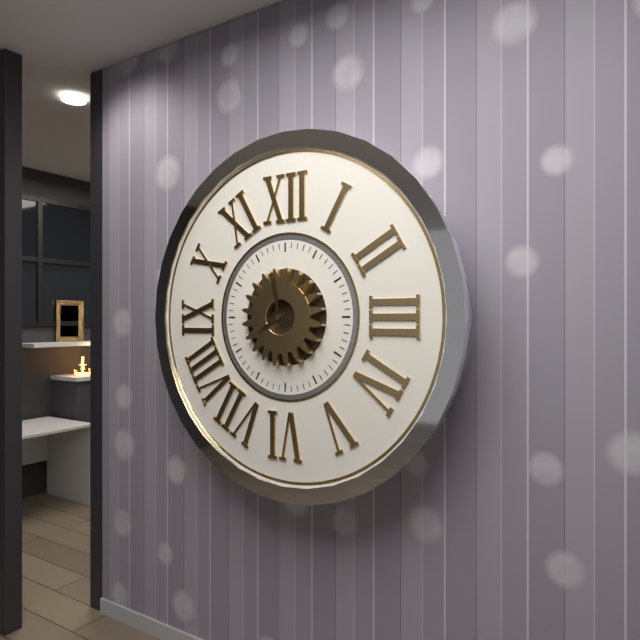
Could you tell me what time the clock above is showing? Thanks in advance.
7:58
